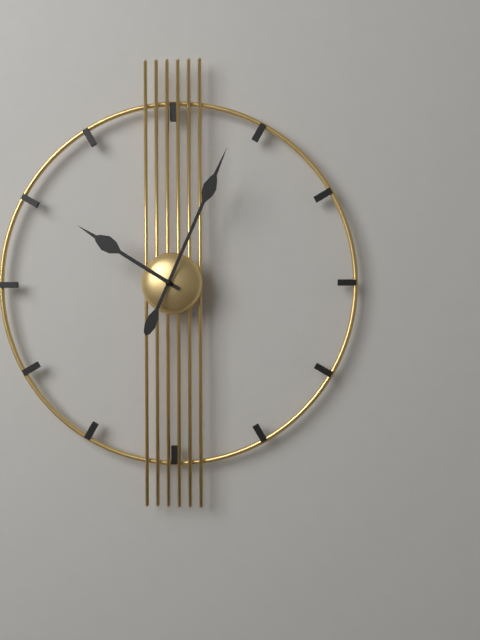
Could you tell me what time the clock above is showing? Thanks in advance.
10:04
